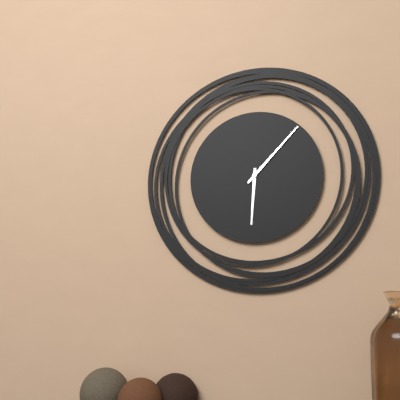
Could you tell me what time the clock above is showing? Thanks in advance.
6:07
